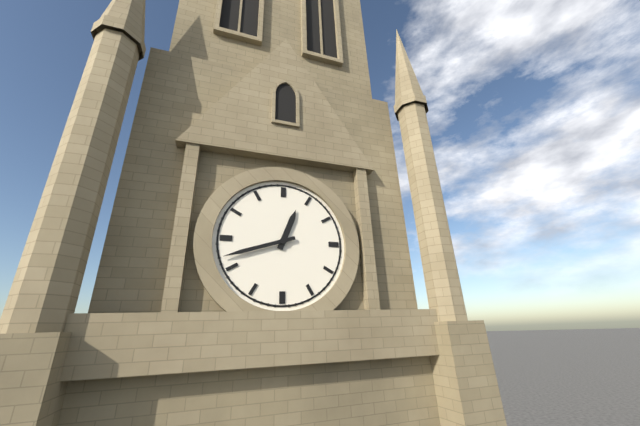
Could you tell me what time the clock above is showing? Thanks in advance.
12:42
